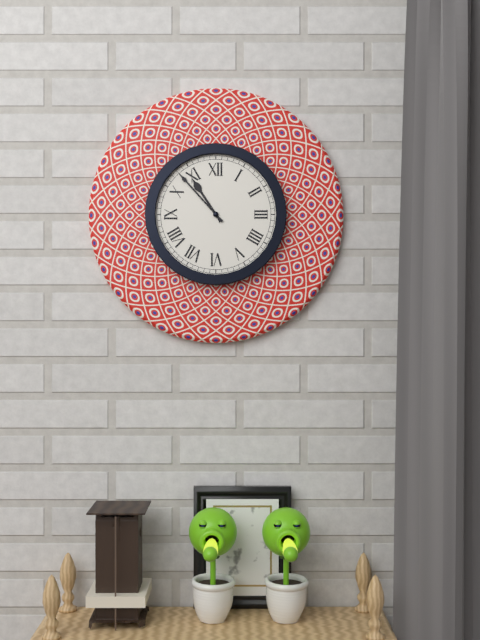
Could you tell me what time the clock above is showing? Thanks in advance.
10:53
